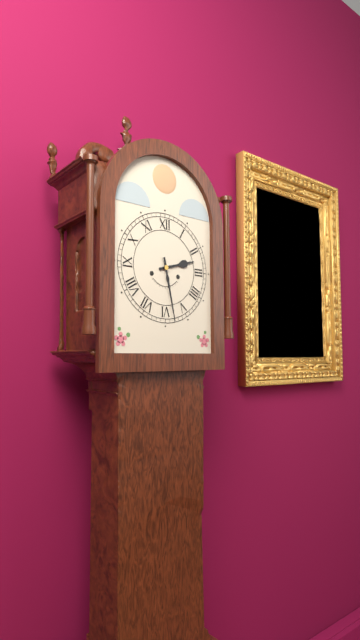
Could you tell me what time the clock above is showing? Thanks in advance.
2:28
